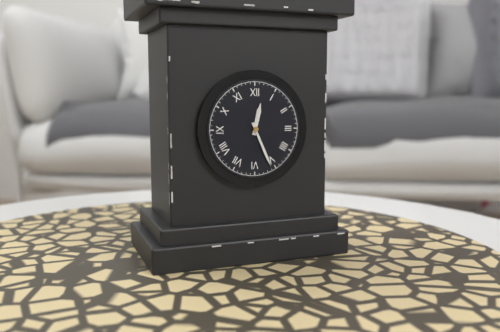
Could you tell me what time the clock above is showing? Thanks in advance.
12:26
